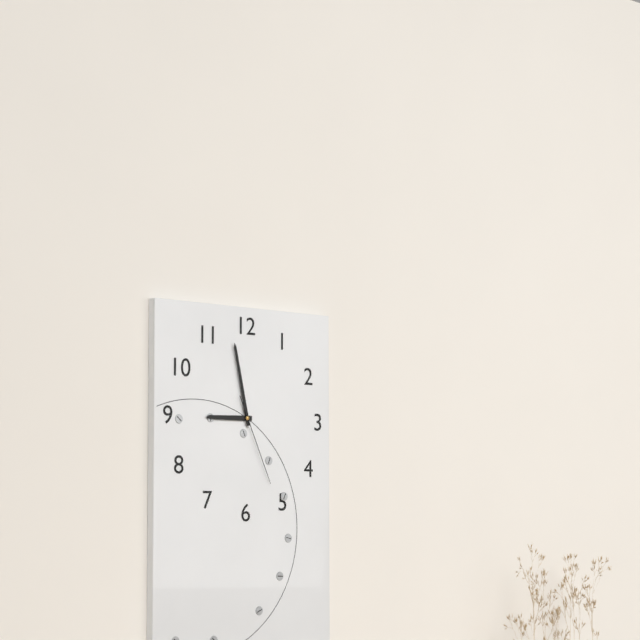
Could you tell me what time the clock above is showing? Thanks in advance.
8:58:26
